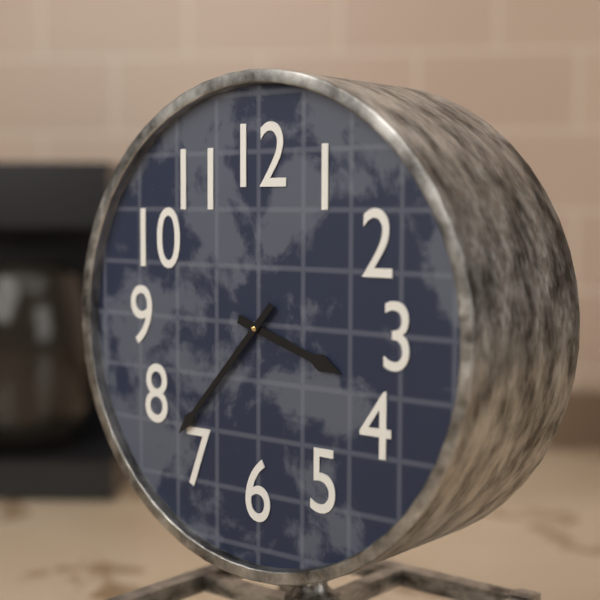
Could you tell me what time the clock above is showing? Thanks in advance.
3:37
